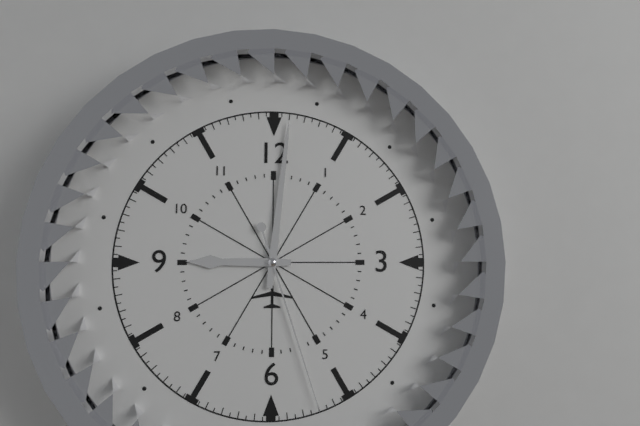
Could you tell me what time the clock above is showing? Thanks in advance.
9:01:27
